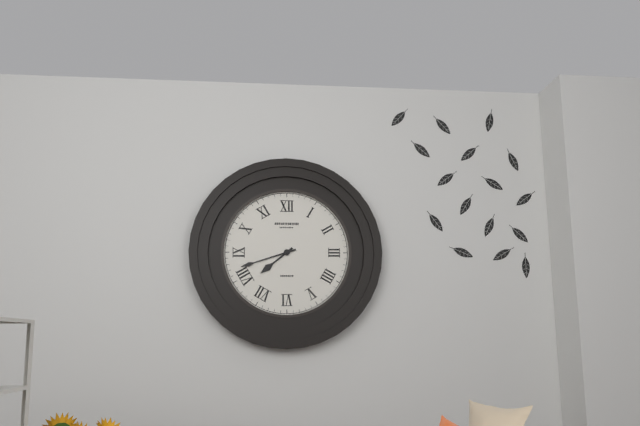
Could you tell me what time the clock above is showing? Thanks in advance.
7:42
